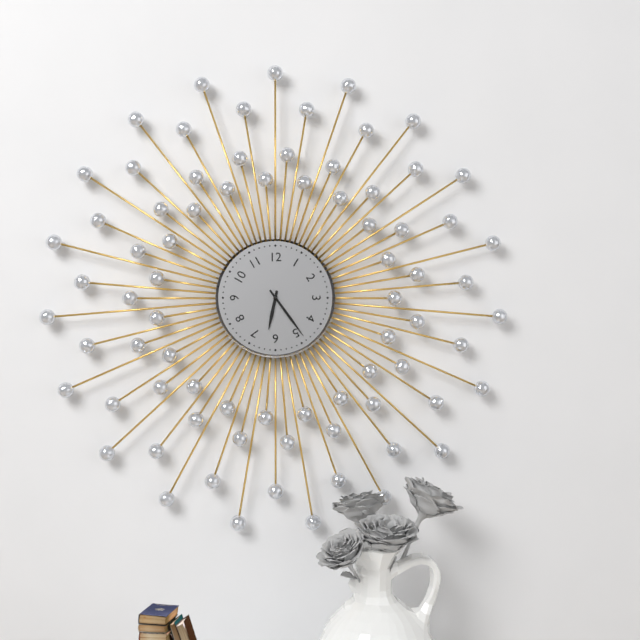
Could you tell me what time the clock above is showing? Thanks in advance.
6:24
